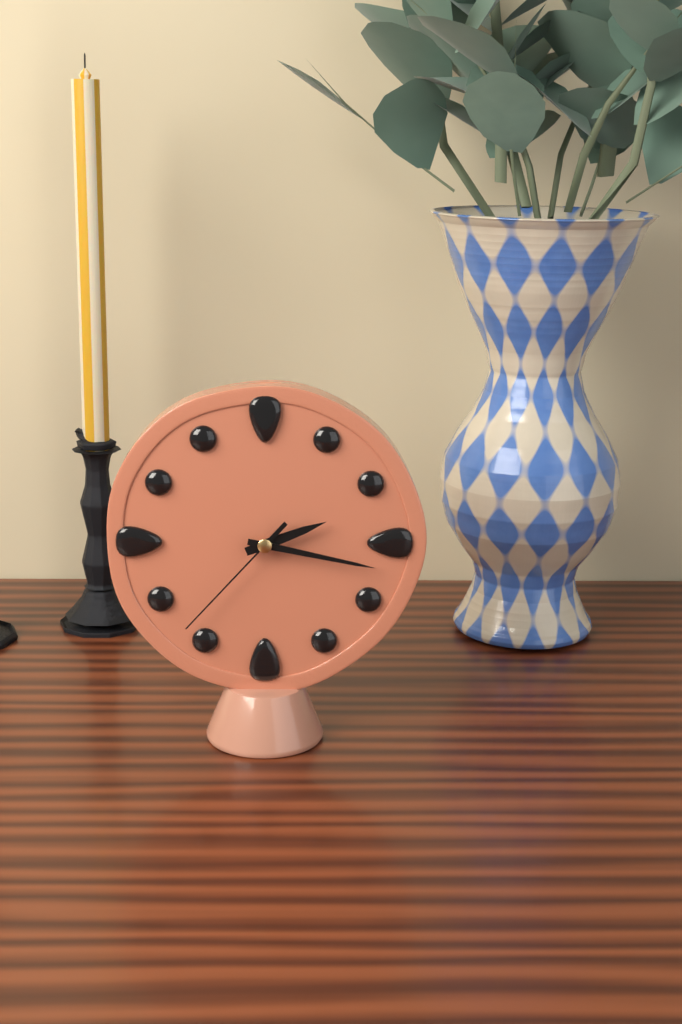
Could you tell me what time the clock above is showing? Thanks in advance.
2:17:37
